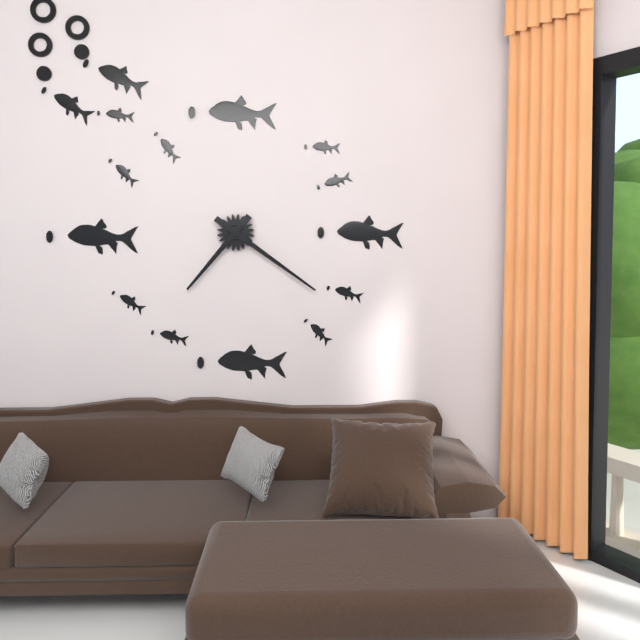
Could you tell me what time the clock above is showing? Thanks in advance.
7:21
